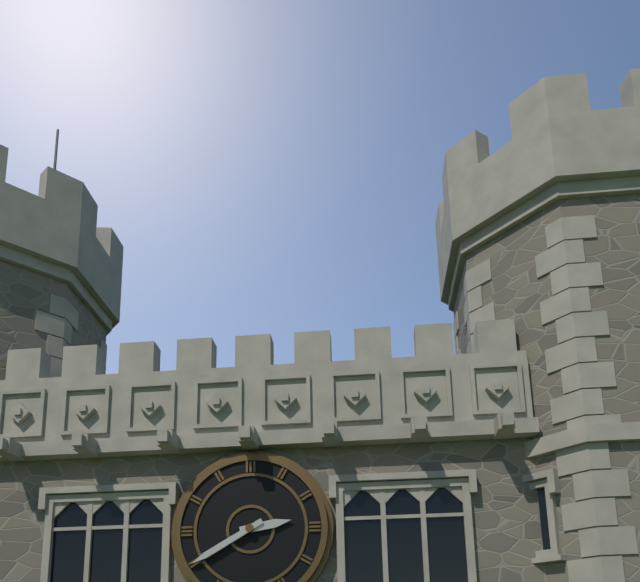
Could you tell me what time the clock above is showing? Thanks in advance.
2:40
